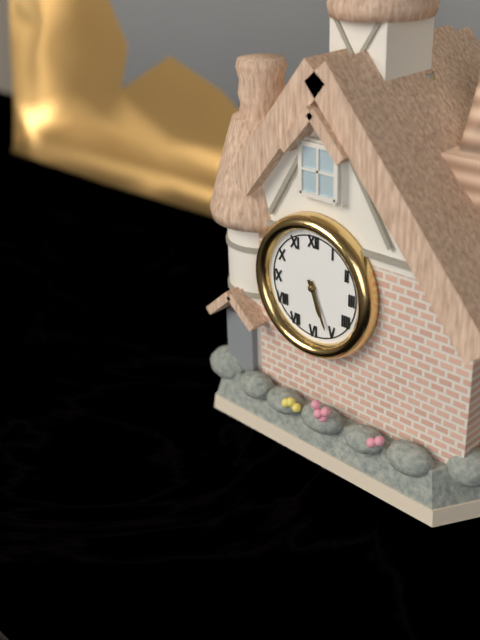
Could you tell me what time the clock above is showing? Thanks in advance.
5:26
